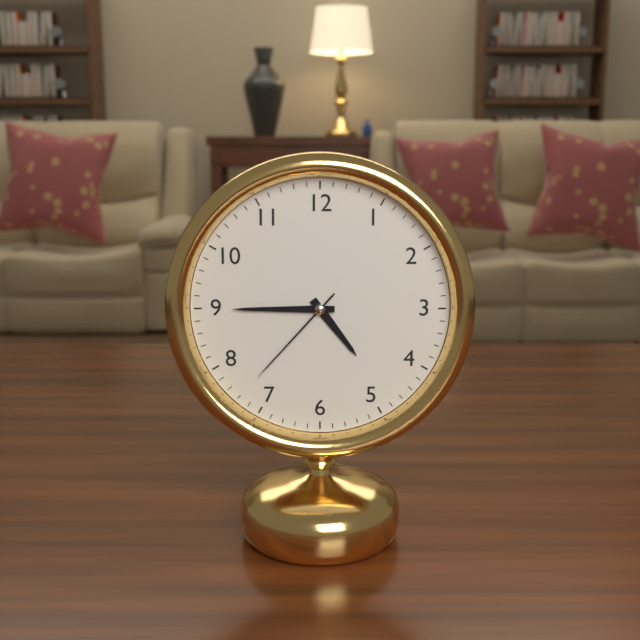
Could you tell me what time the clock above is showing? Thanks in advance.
4:45:37
